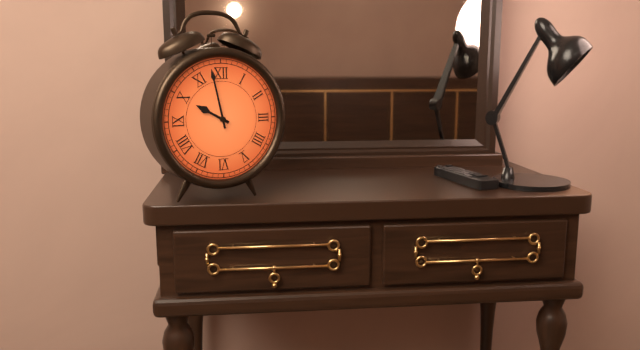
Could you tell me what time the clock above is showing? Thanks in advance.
9:58
